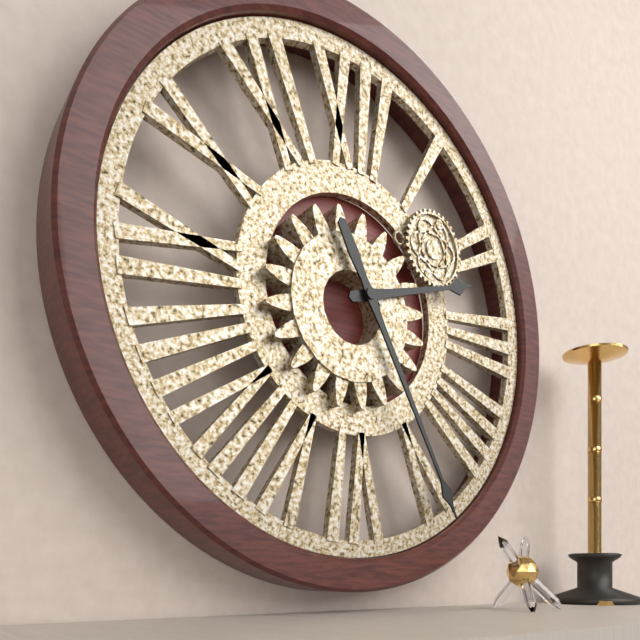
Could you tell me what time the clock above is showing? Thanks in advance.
2:25
